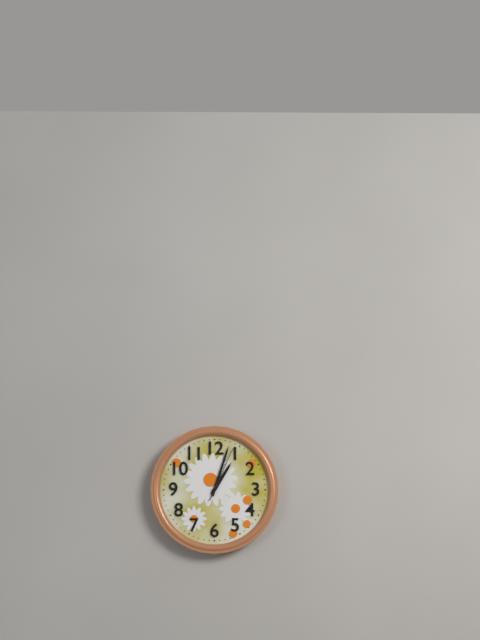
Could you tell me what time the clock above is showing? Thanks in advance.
1:03:04
